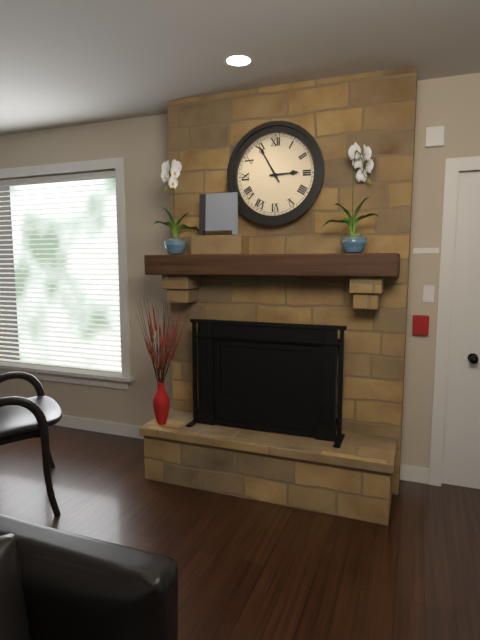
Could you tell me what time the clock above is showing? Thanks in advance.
2:55
